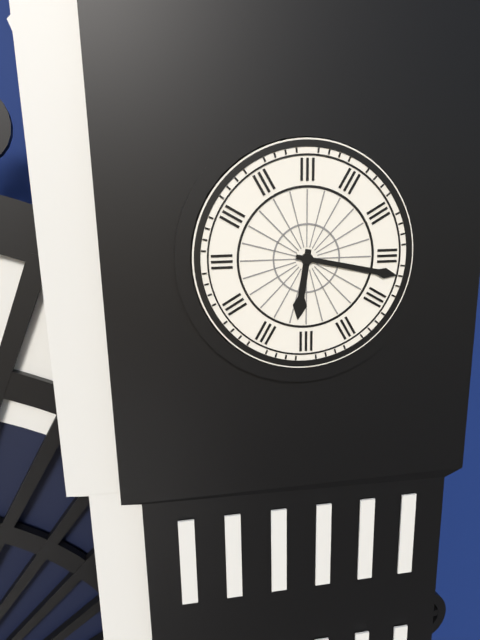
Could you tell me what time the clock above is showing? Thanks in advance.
6:17
